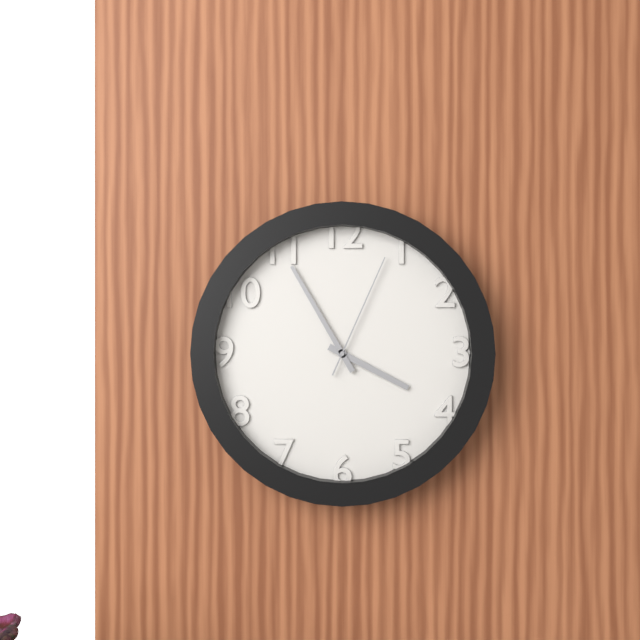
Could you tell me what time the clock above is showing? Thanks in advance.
3:55:04
